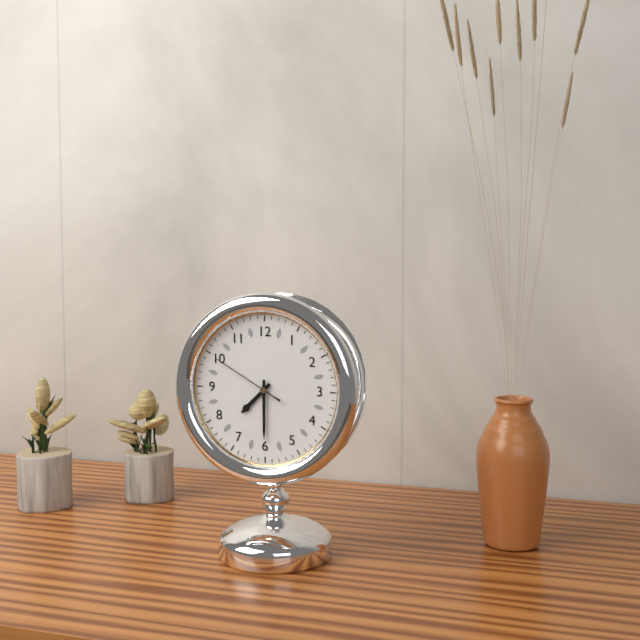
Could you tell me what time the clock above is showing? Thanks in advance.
7:30:50
